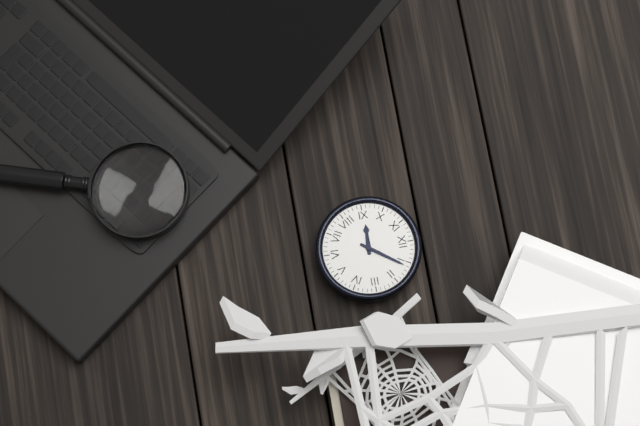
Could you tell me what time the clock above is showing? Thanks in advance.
9:06
